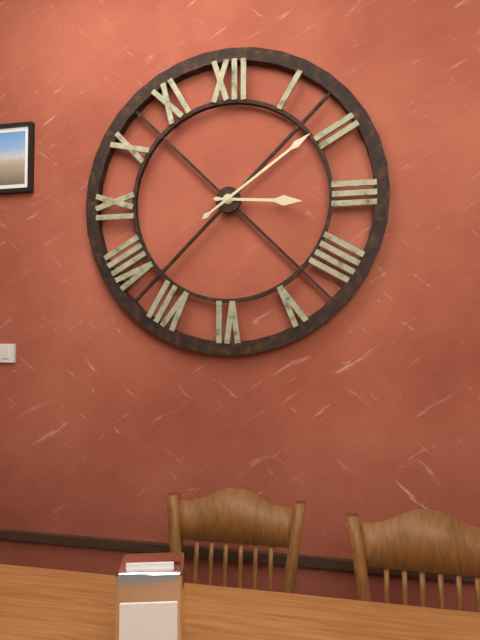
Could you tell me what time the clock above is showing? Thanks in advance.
3:09
